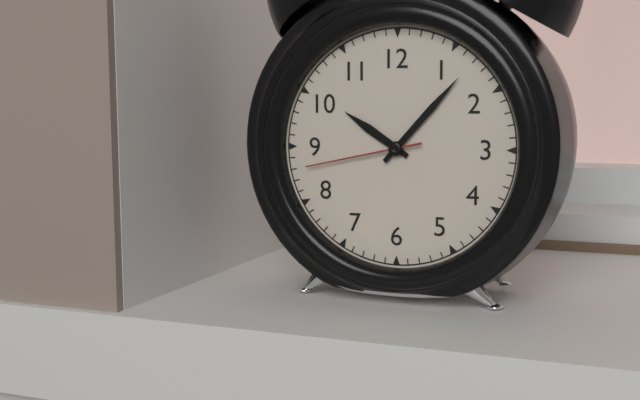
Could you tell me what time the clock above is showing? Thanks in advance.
10:07:43
